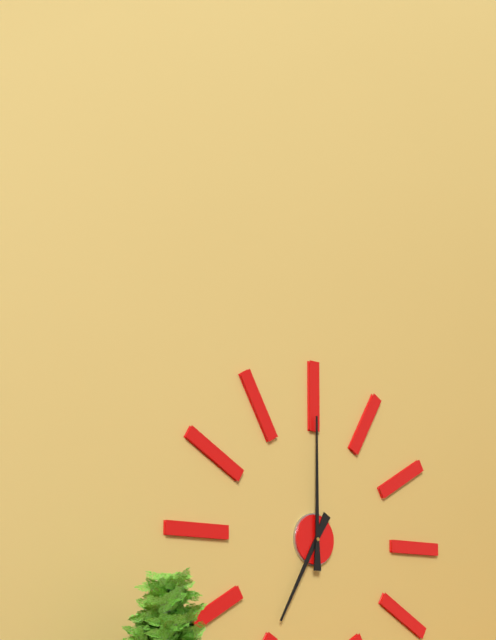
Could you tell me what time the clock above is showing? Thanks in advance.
7:00
